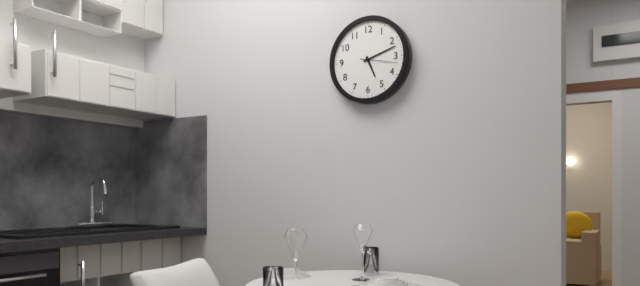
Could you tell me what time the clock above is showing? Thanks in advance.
5:12
